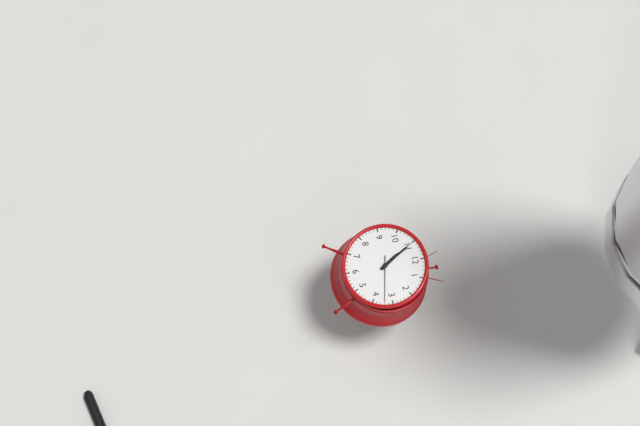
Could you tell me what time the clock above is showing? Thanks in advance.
10:55
